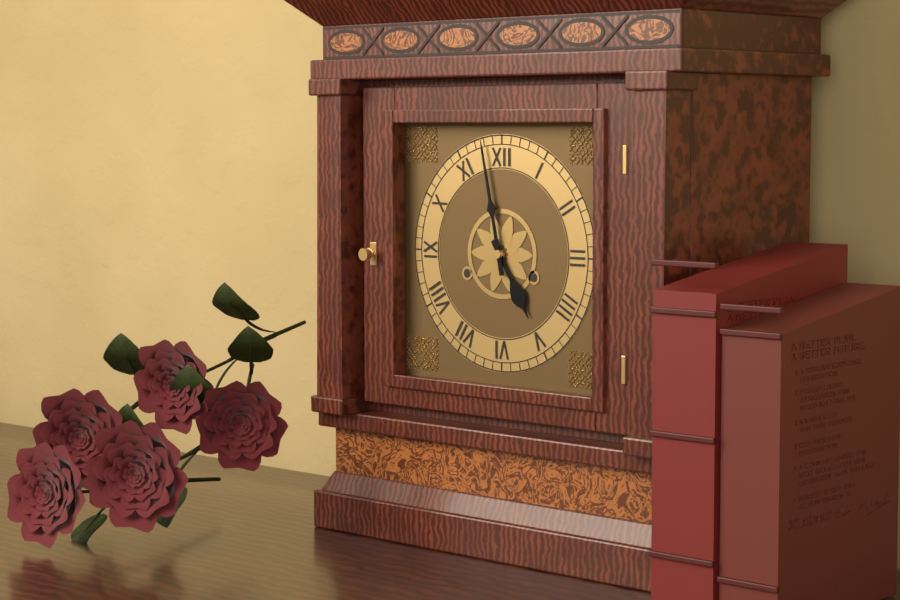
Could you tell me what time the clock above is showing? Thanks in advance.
4:58
